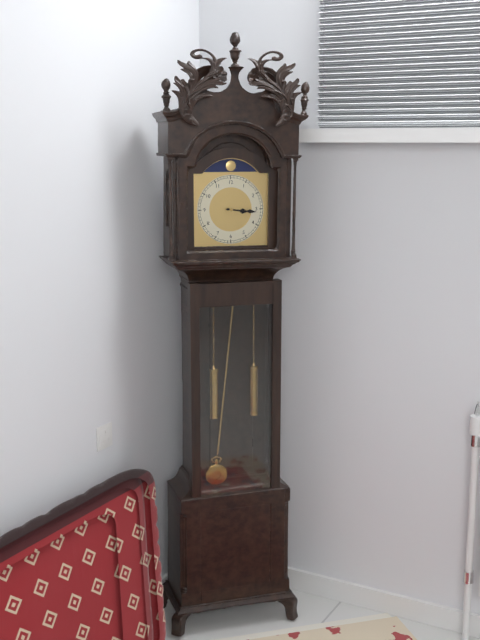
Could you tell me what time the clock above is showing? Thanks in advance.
3:16
